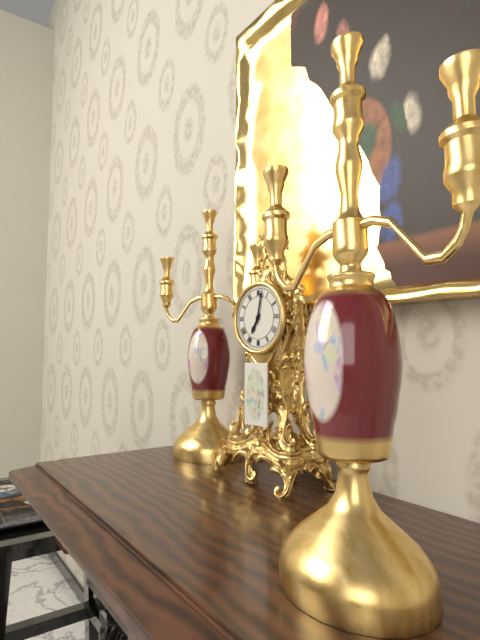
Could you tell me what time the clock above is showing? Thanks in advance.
7:02
